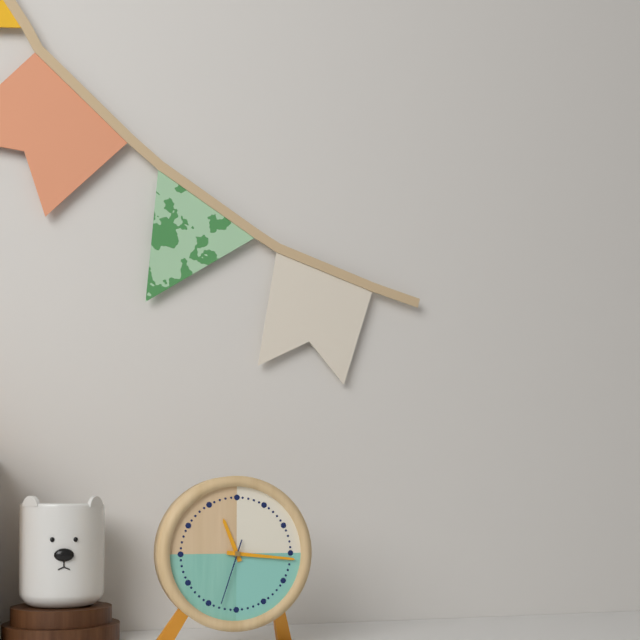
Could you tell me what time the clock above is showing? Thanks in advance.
11:16:33
